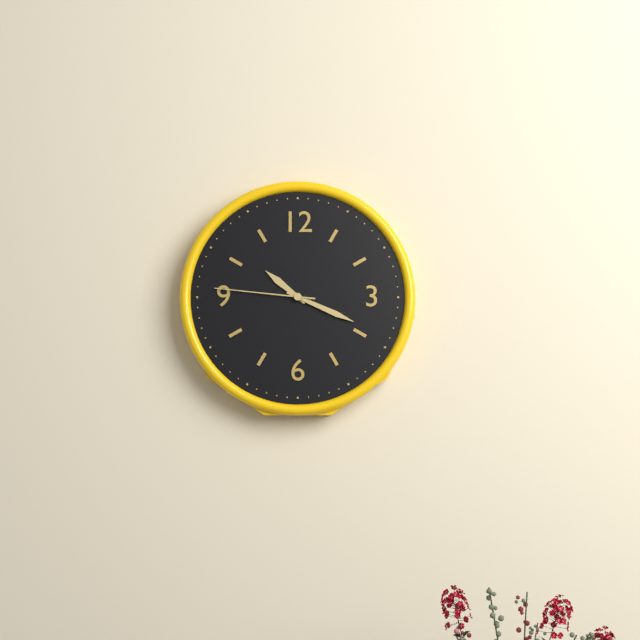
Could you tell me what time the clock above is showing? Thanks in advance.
10:19:46
